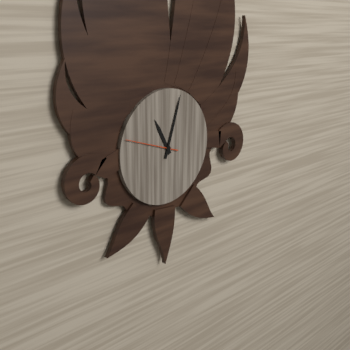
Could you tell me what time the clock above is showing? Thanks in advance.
11:03
